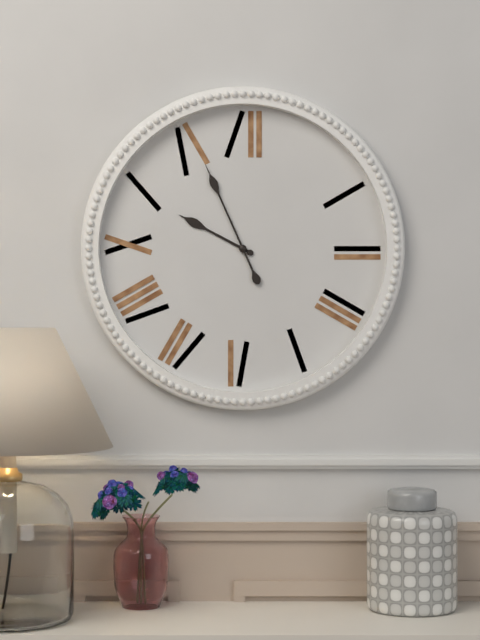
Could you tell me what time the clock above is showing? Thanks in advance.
9:56
